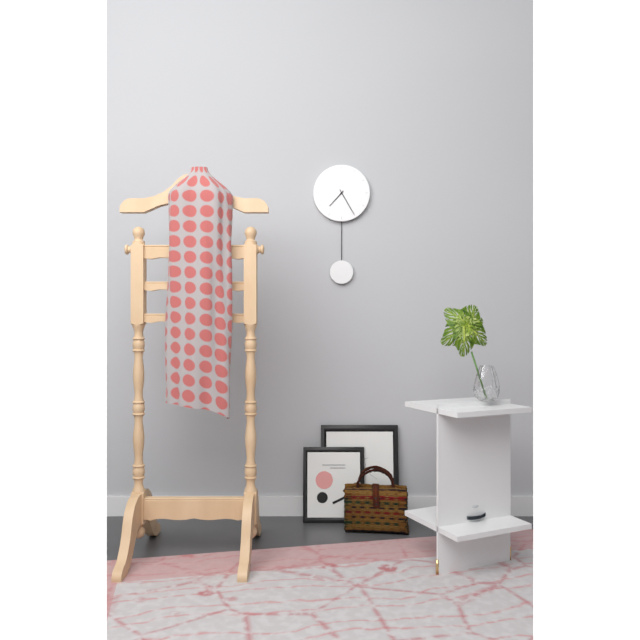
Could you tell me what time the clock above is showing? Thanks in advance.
7:25
